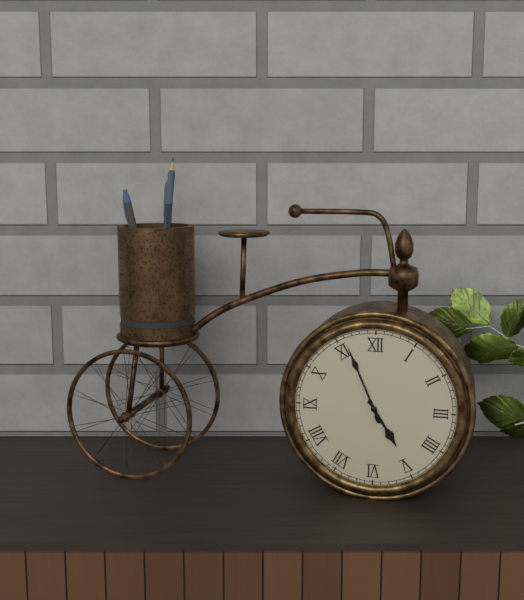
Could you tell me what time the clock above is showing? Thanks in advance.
4:56
